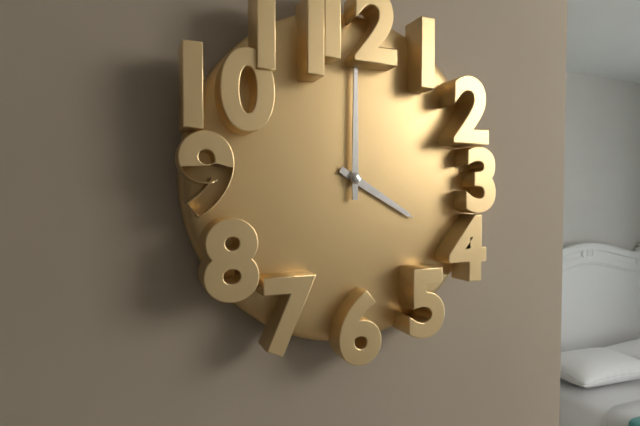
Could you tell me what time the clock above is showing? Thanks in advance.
4:00
